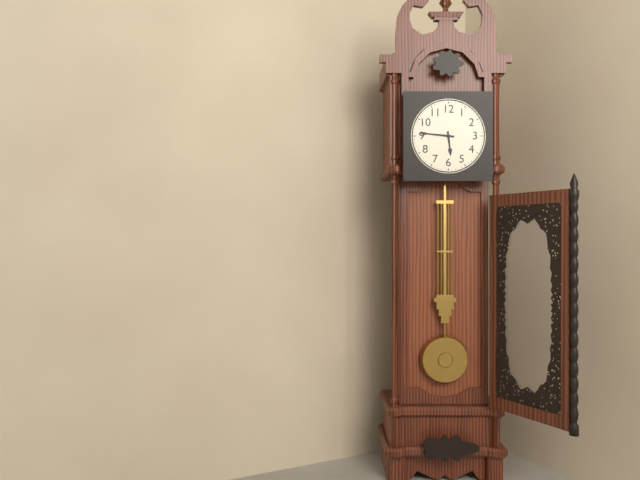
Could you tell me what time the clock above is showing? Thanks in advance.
5:46
